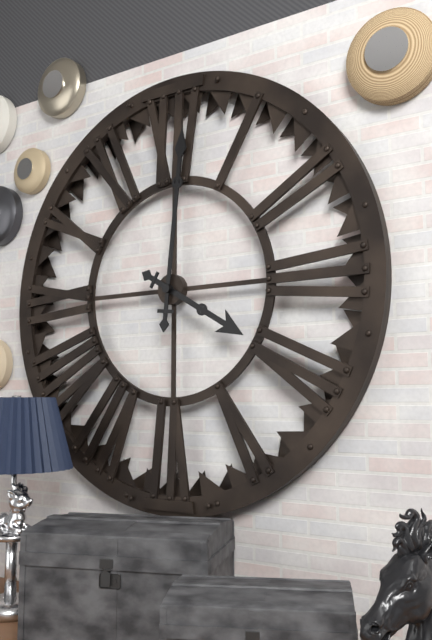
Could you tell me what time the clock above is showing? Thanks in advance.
4:01
